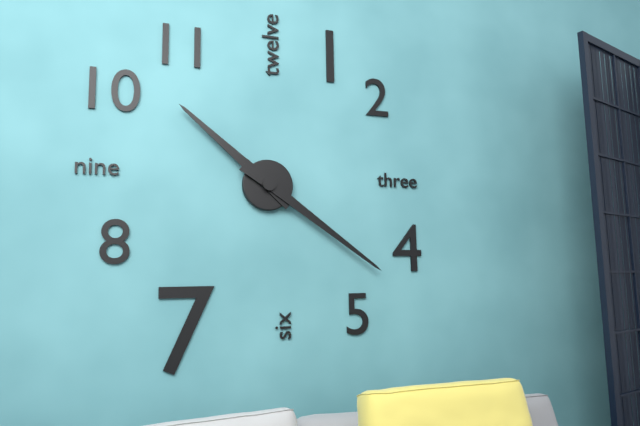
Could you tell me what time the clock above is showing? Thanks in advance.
10:21
